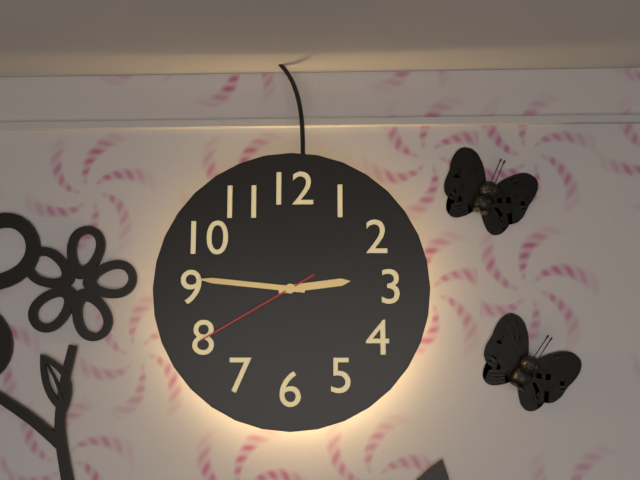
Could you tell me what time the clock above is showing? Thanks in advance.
2:46:40
